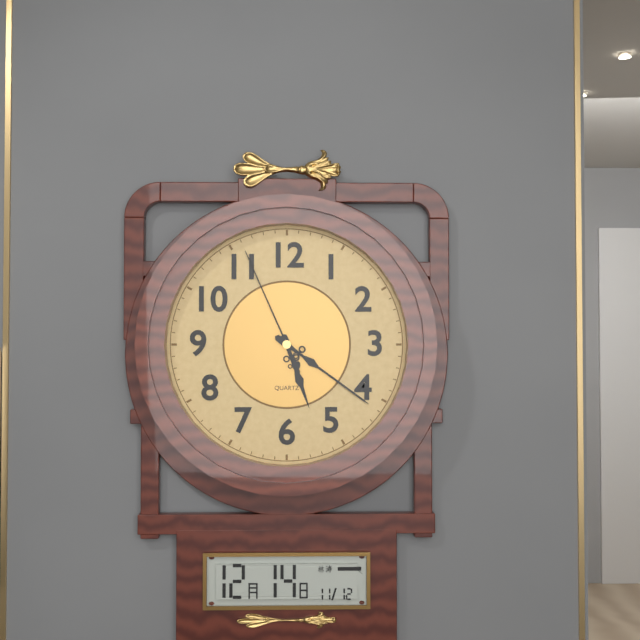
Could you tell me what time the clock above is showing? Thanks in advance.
5:21:56
